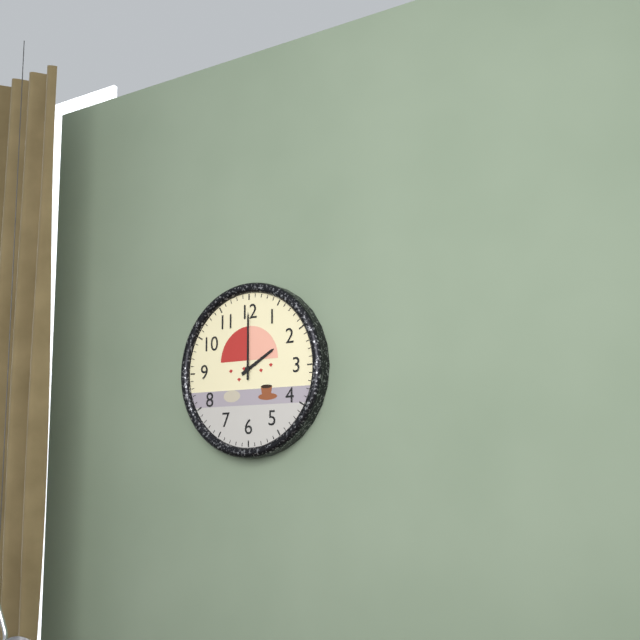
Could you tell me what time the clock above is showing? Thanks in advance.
2:00
